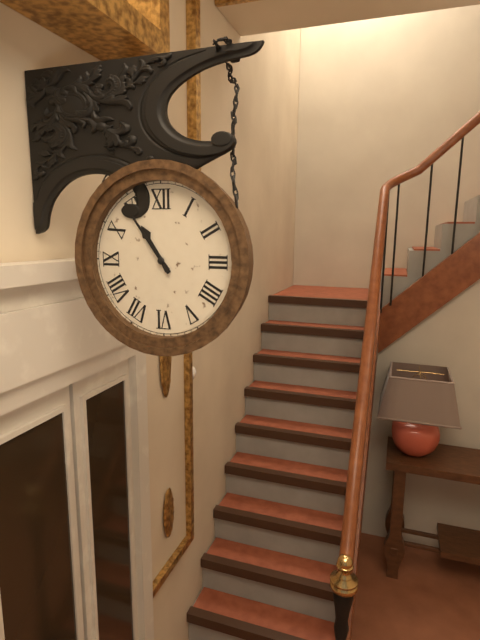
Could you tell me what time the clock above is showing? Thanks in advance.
10:54
